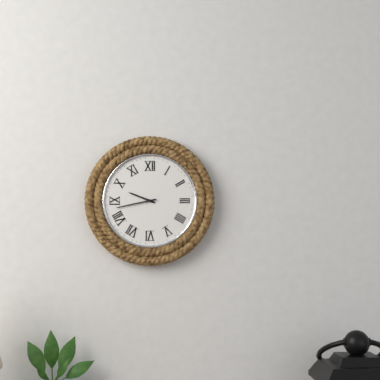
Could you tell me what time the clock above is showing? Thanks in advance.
9:43
